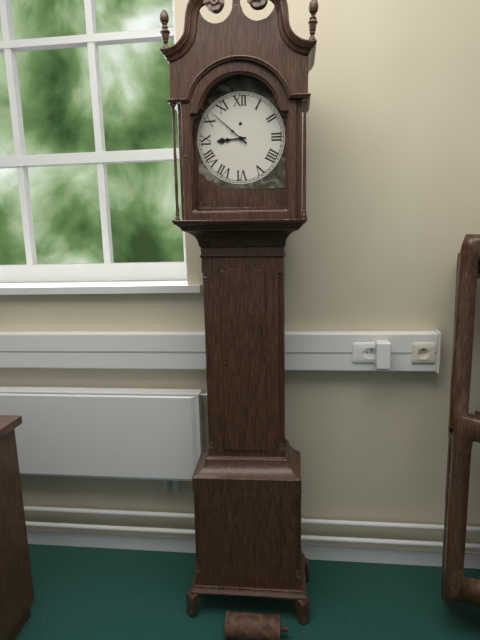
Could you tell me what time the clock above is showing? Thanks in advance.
8:52
